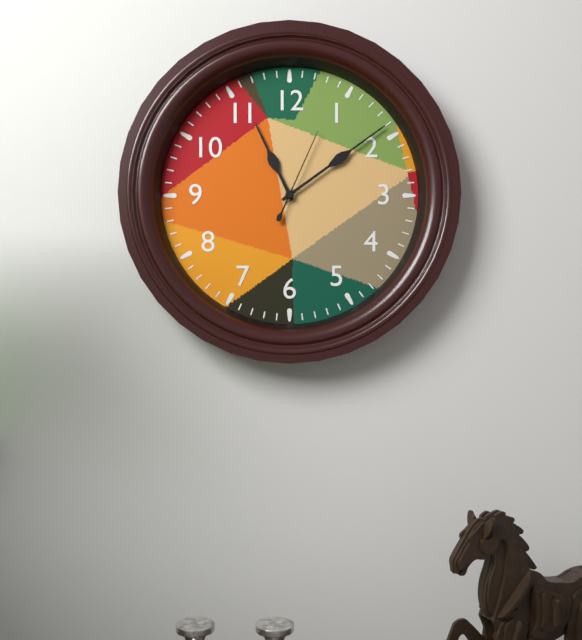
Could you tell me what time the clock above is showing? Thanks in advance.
11:09:04
